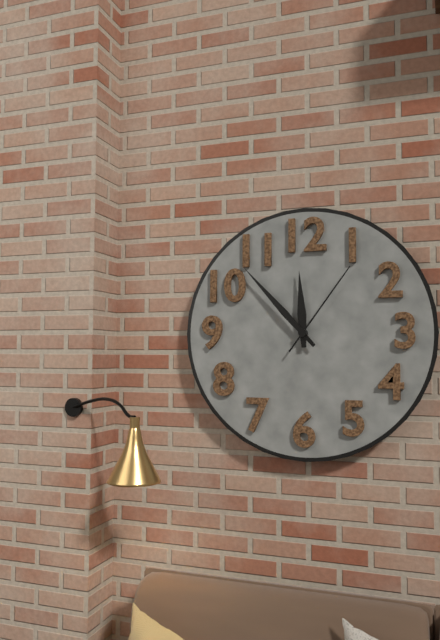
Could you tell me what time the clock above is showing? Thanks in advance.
11:53:06
